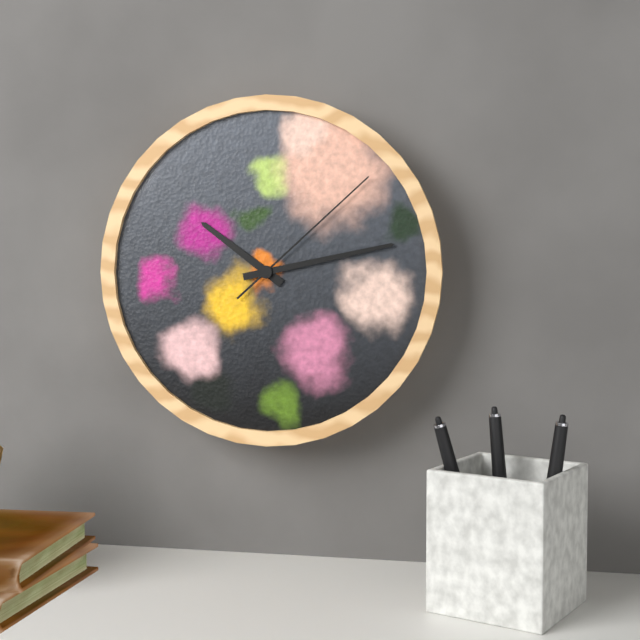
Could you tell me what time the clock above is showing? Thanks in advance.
10:13:08
